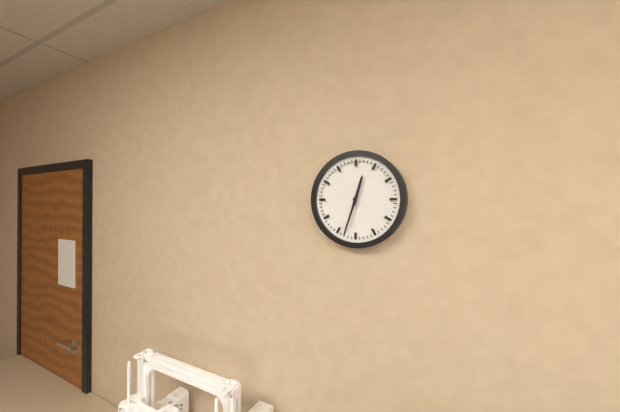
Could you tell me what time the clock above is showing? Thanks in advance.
12:33
